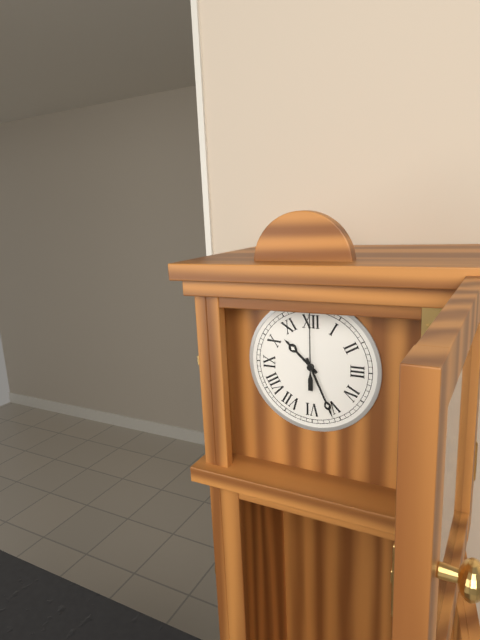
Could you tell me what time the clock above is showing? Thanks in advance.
10:26:00
